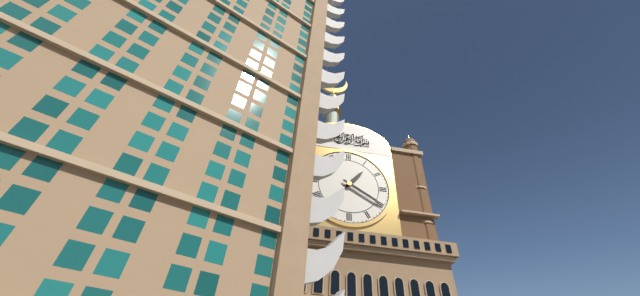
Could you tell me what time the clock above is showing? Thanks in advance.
1:20
